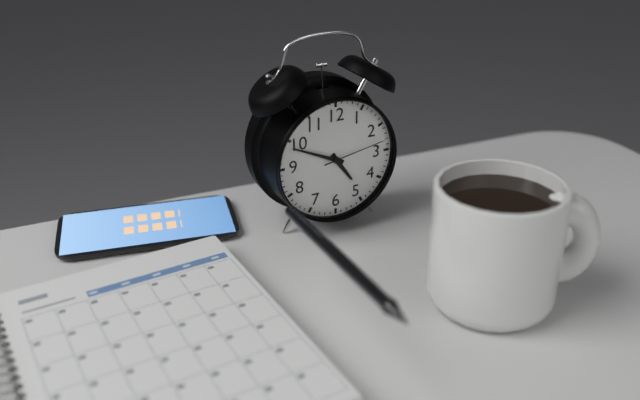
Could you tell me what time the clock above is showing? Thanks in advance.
4:49:13
